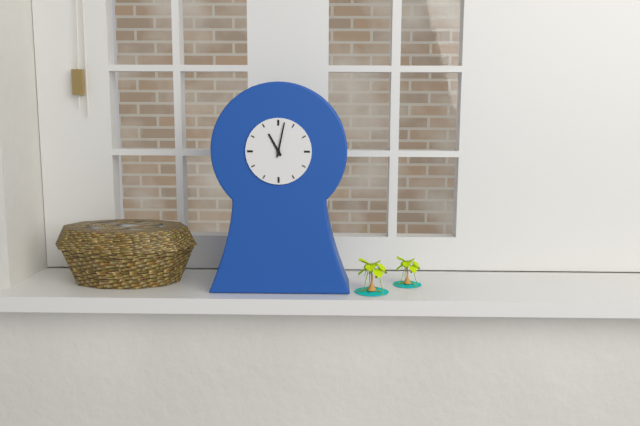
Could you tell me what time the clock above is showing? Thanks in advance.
11:02
